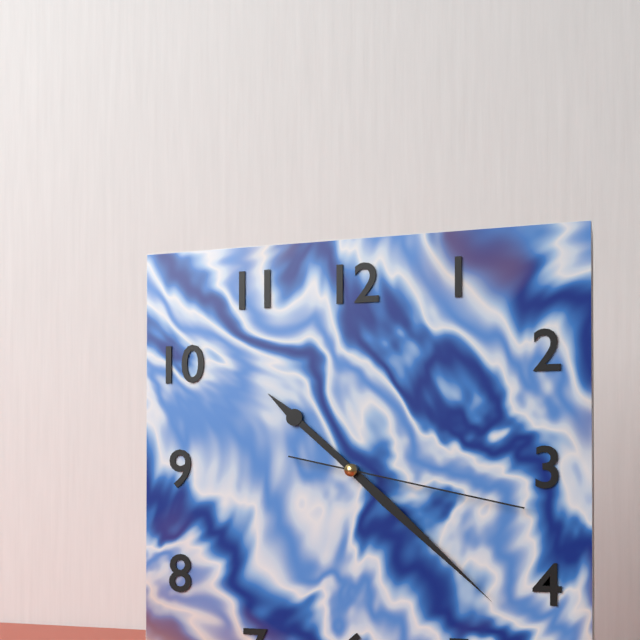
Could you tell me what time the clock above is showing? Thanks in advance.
10:22:17
